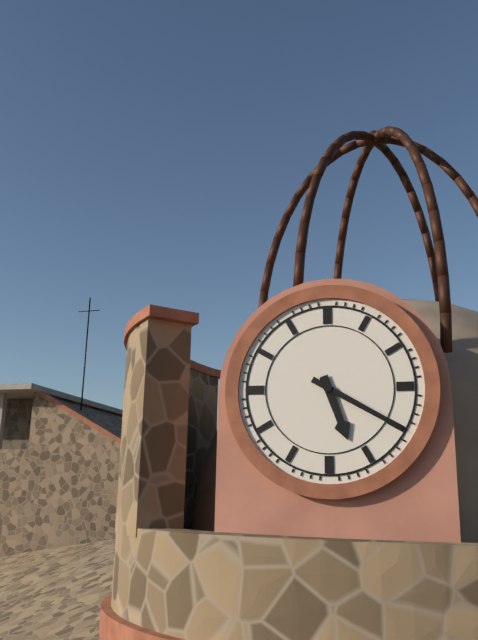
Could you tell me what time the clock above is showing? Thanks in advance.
5:20
